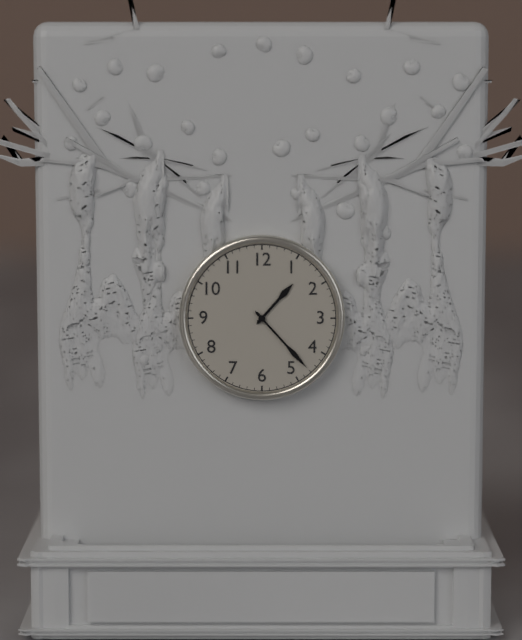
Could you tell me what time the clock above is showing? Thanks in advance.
1:23
